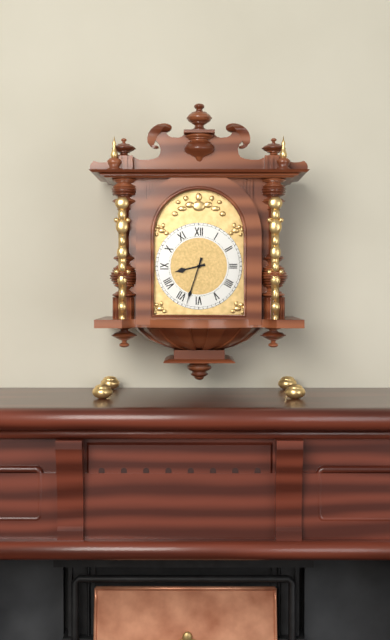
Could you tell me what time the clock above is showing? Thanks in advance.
8:33
